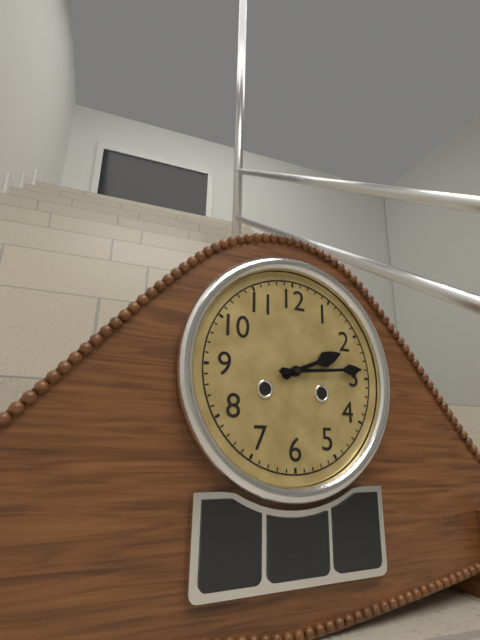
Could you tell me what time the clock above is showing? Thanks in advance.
2:14
